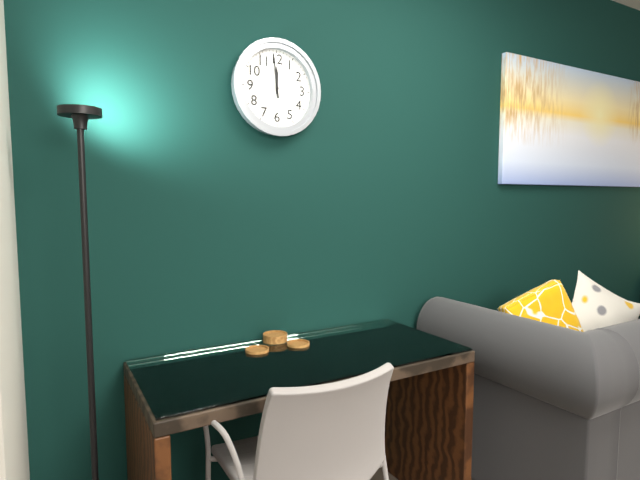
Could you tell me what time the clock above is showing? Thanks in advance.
11:59
